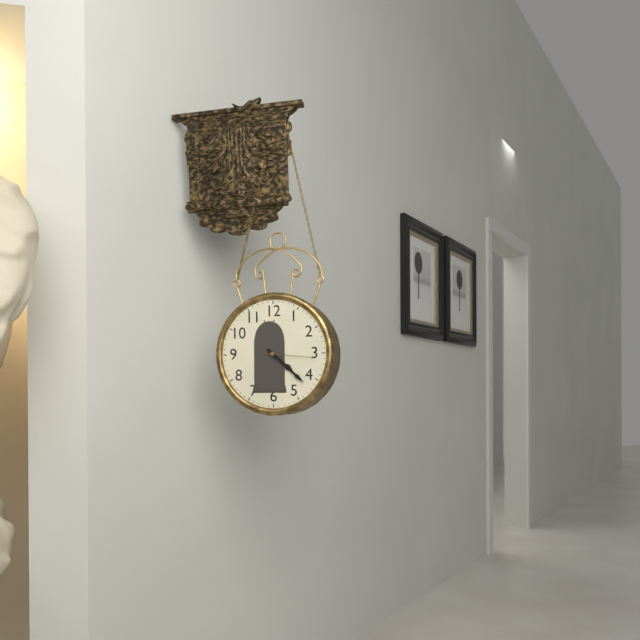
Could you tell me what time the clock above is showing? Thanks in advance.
4:22:16
